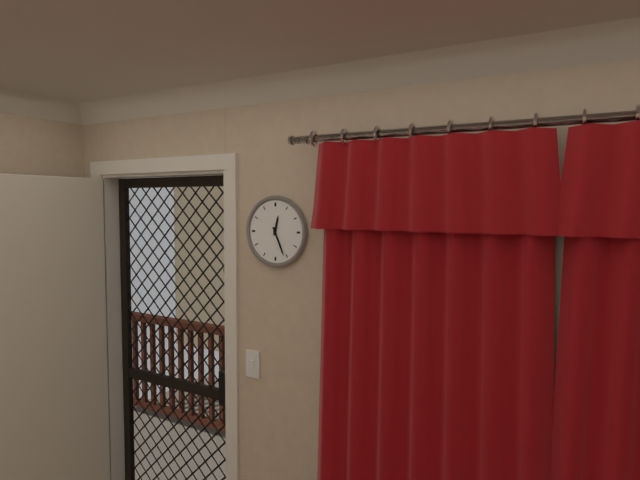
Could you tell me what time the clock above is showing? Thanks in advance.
12:26
